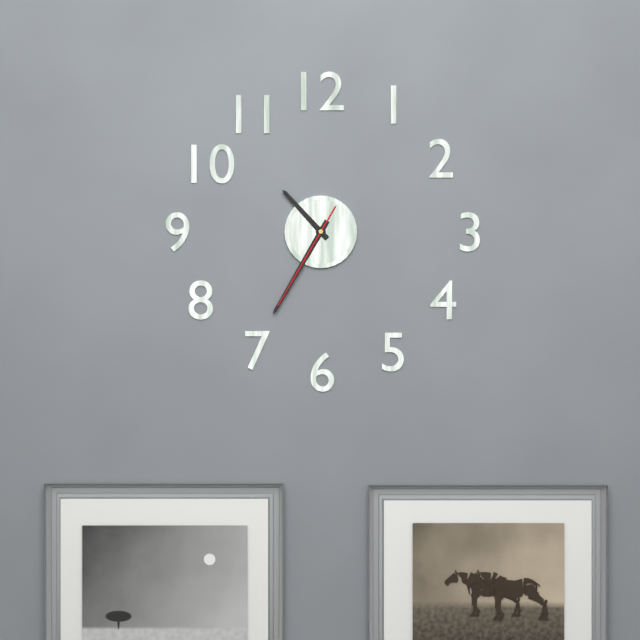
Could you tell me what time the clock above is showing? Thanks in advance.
10:35:35
